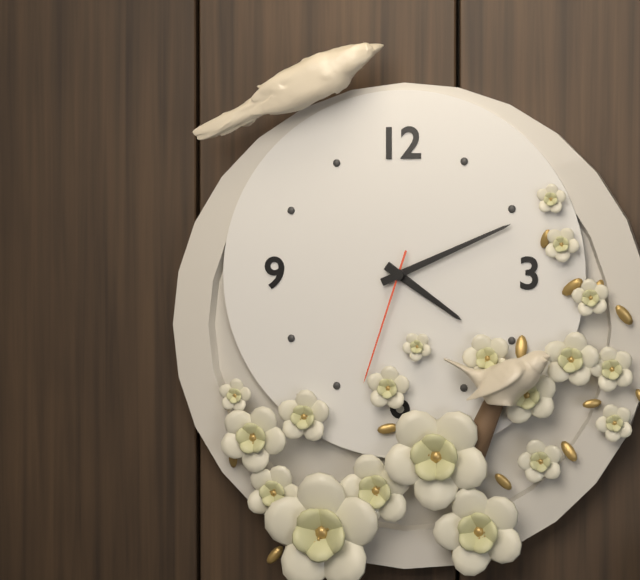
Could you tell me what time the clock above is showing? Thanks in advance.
4:11:33
